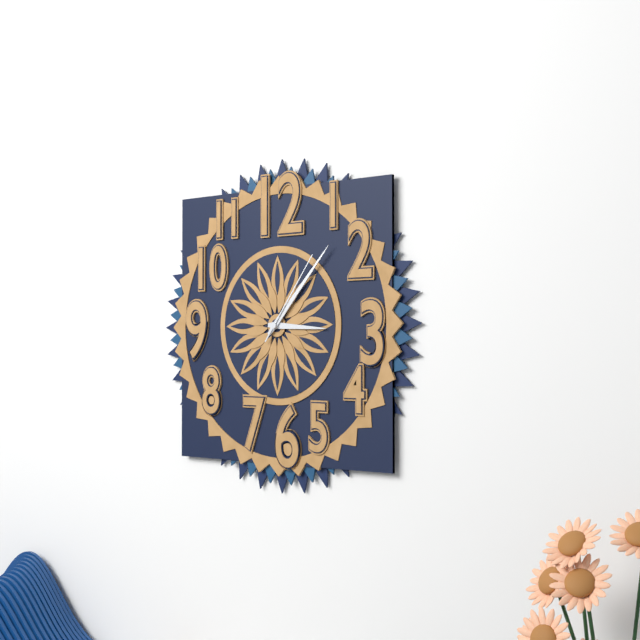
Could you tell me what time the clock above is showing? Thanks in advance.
3:07:06
